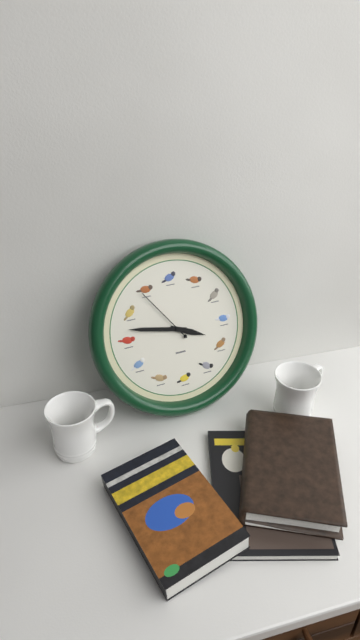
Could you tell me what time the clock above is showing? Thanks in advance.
3:47:54
